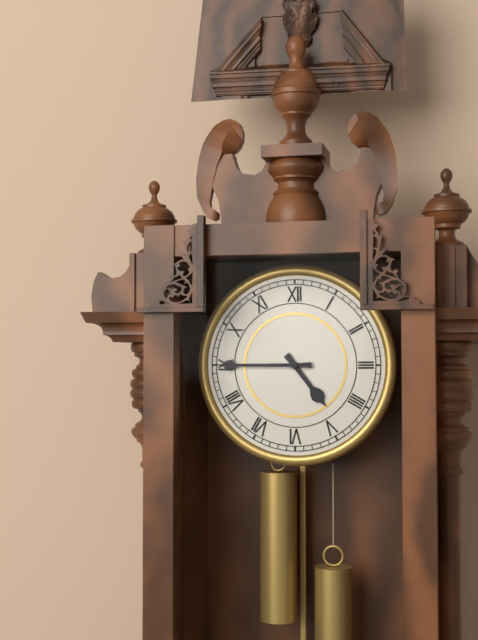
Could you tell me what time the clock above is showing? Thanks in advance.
4:45
